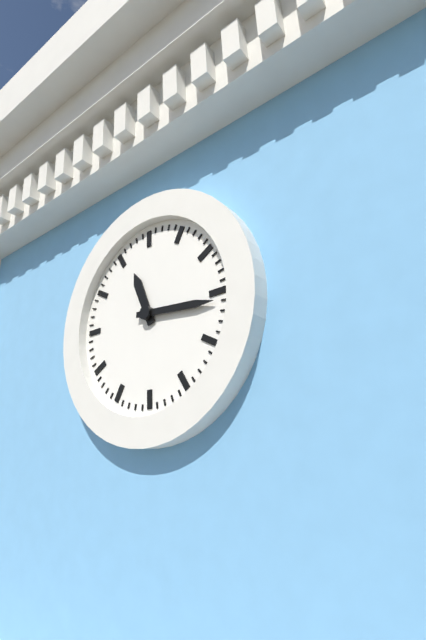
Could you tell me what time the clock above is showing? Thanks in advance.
11:16
